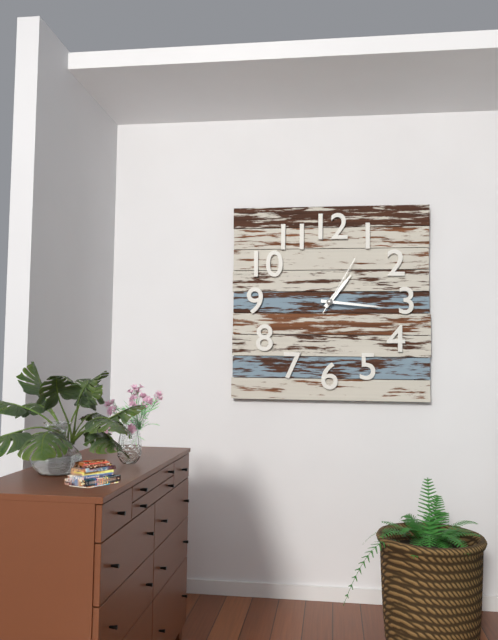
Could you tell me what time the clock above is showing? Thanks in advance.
1:16:05
